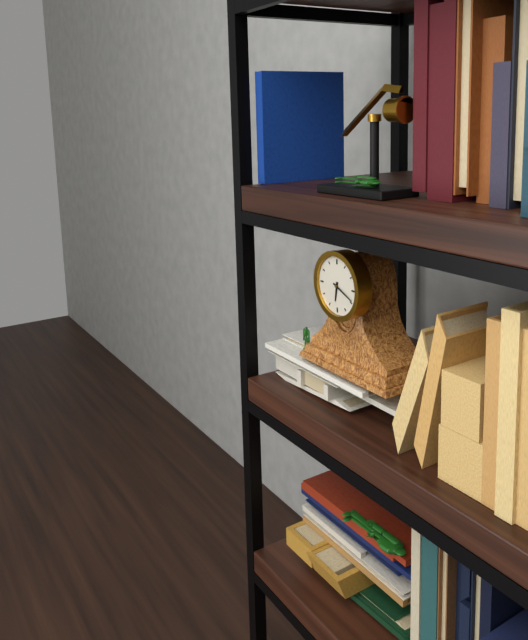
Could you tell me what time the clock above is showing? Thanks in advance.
6:19
